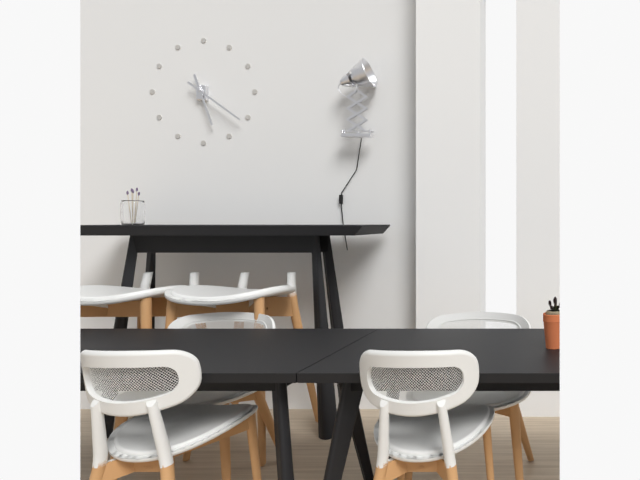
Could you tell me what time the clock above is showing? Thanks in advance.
5:21
